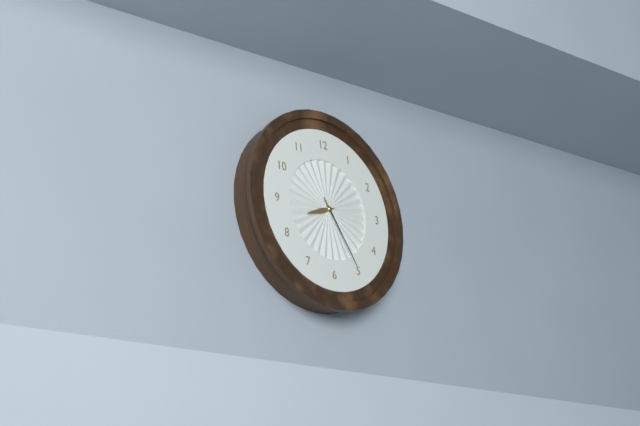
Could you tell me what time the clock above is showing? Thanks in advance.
8:25
